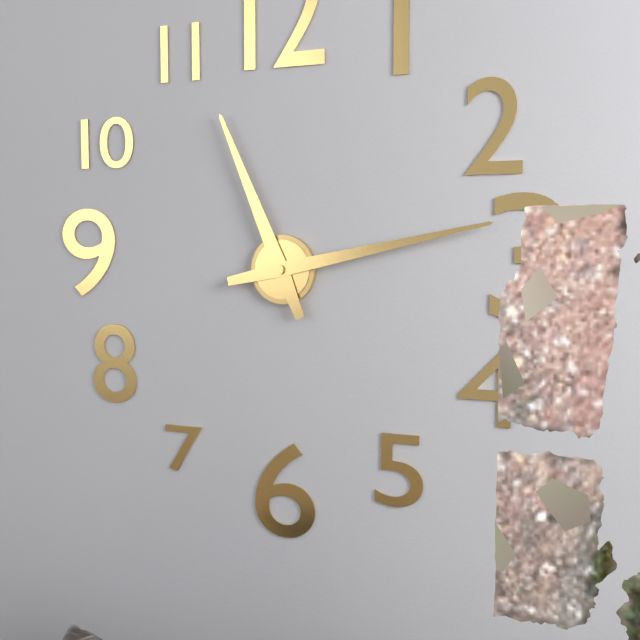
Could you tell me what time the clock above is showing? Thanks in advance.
11:13
